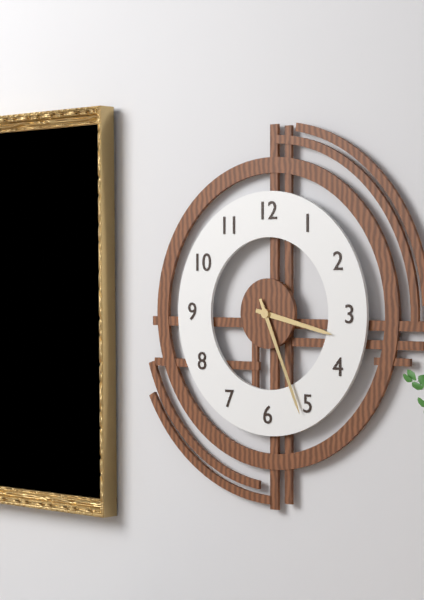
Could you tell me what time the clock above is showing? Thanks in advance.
3:26
